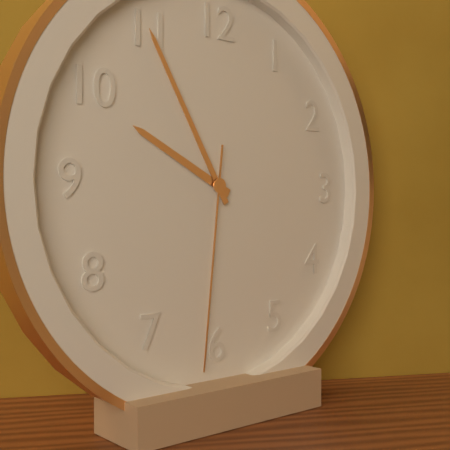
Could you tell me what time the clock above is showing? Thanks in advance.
9:55:31
